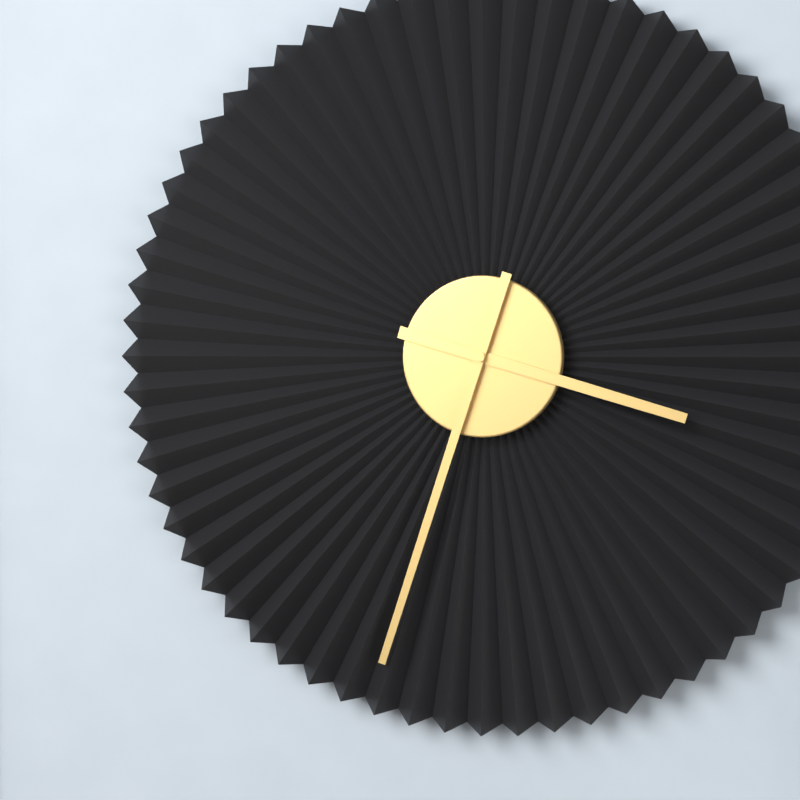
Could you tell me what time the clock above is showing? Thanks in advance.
3:33
